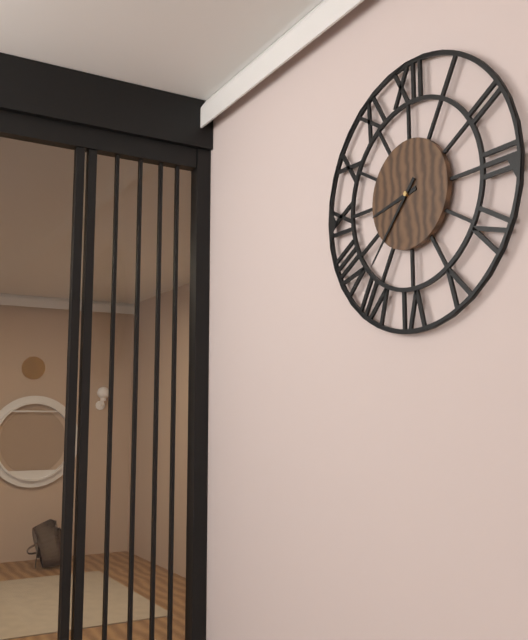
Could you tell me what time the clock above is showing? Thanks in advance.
8:37
